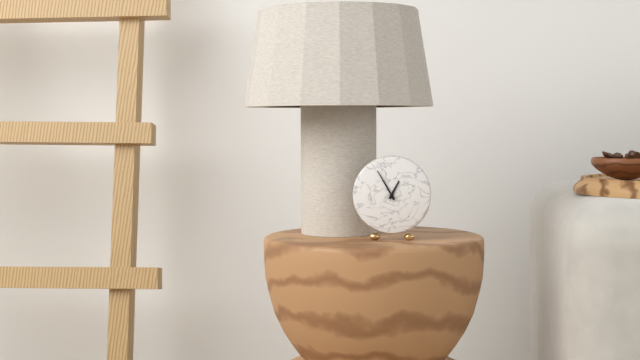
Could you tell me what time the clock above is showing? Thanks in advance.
12:55
